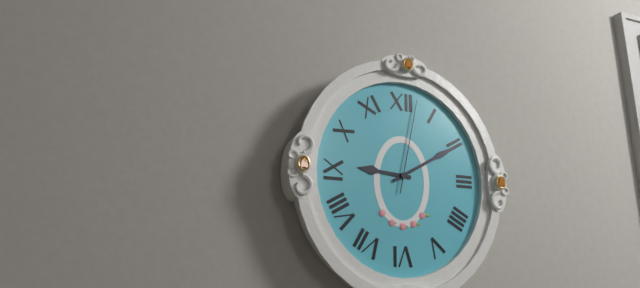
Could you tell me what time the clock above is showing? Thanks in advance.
9:10:02
